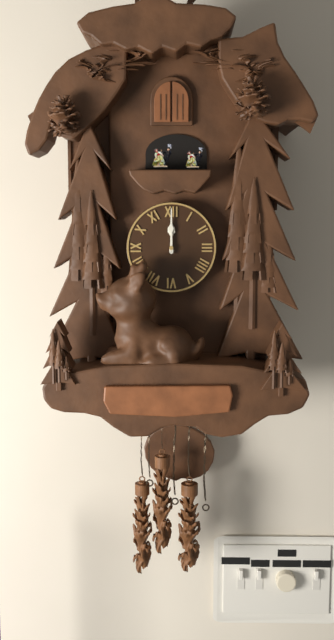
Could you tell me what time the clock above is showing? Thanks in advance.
12:00
